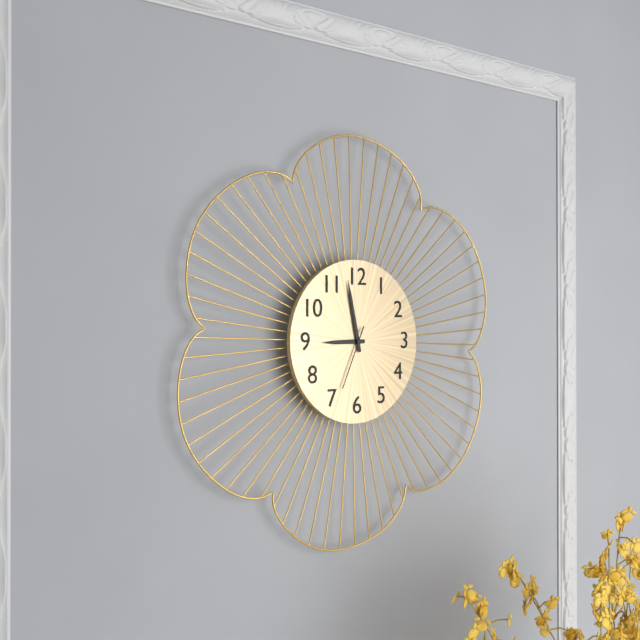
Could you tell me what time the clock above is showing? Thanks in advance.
8:58:34
